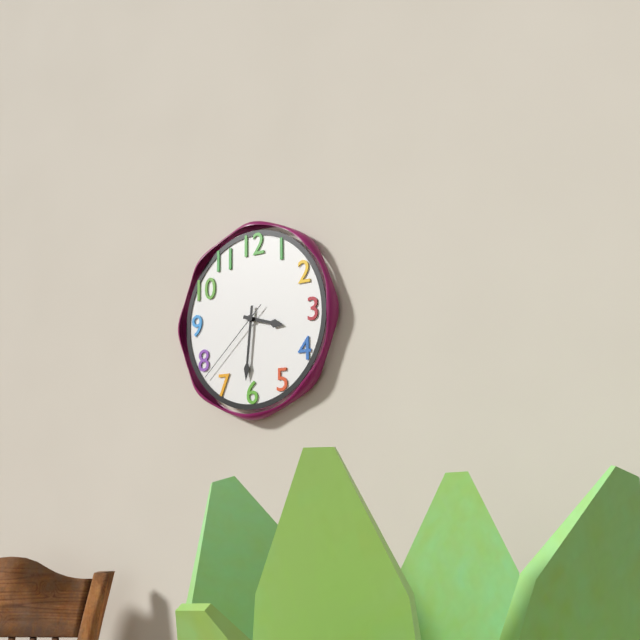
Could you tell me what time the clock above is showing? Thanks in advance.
3:31:38
